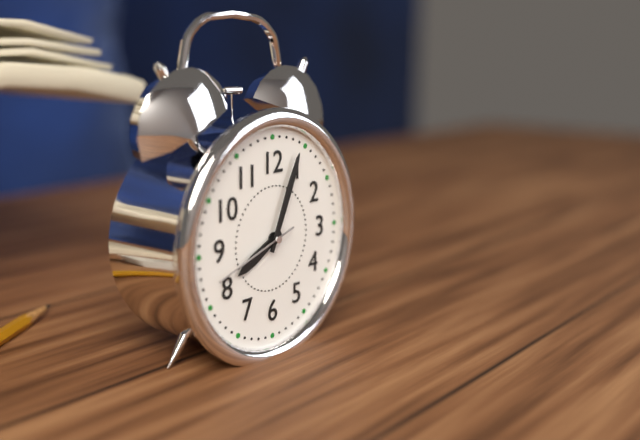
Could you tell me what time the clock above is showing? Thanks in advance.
8:04:42
